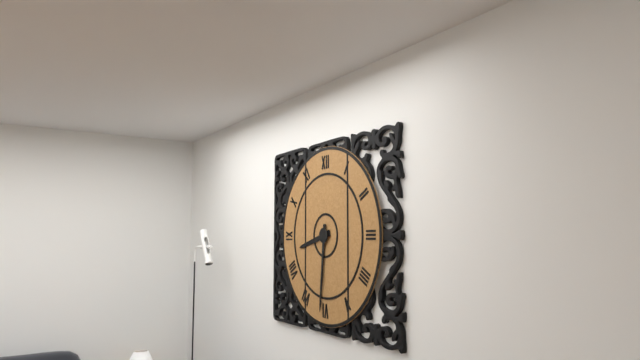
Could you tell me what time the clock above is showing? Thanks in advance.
8:31
